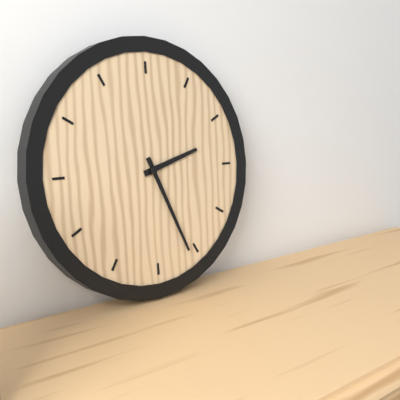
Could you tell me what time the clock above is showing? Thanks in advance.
2:26
